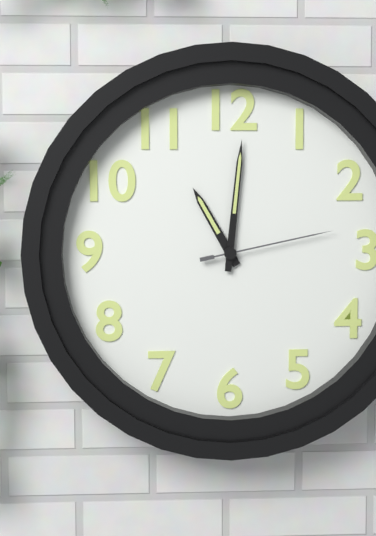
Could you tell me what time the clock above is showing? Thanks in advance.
11:01:13
